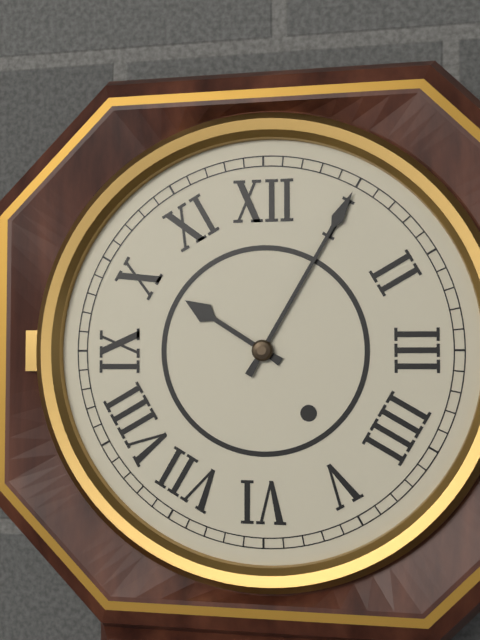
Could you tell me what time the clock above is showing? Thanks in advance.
10:05
